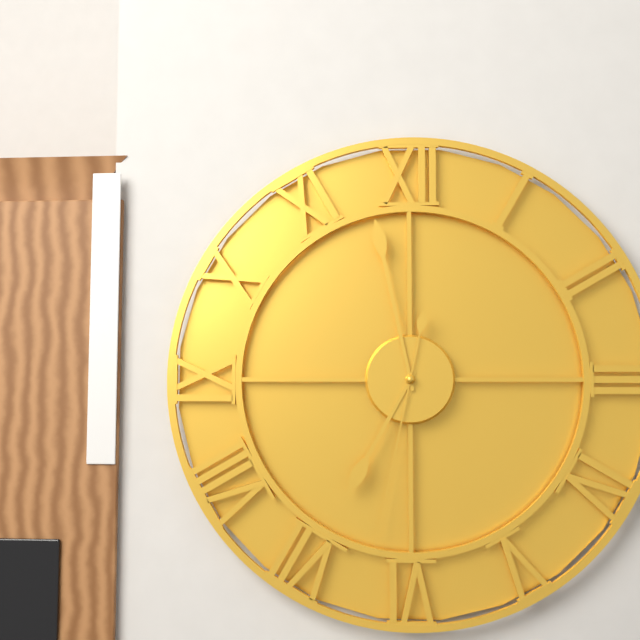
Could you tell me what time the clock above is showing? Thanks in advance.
6:58:32
